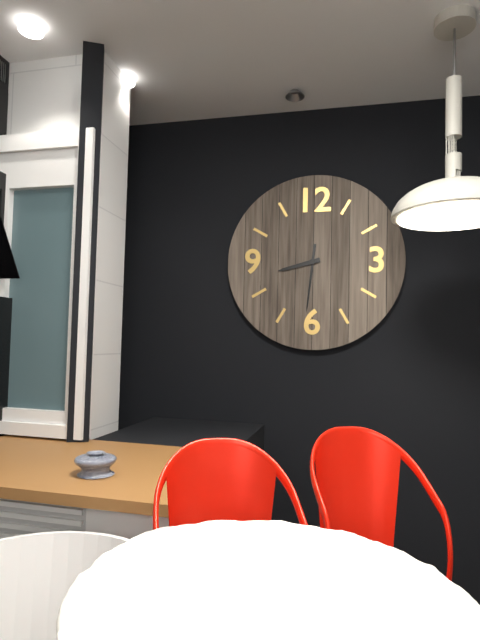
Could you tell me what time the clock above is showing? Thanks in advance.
8:31
